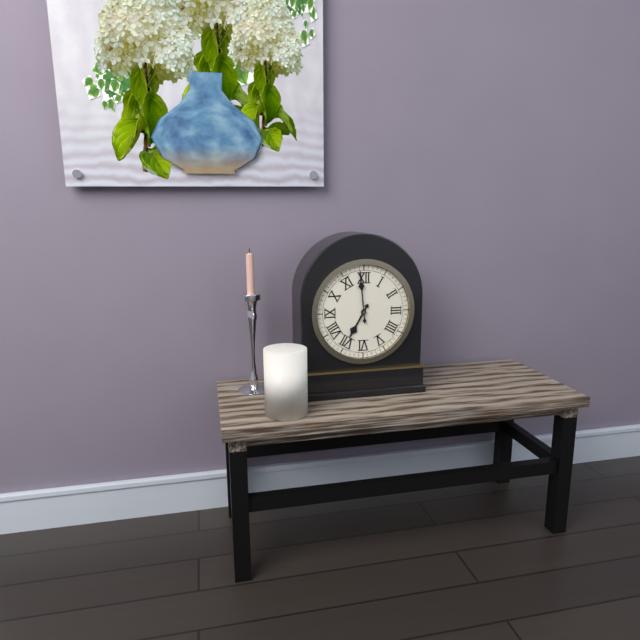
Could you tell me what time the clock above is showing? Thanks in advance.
6:59
